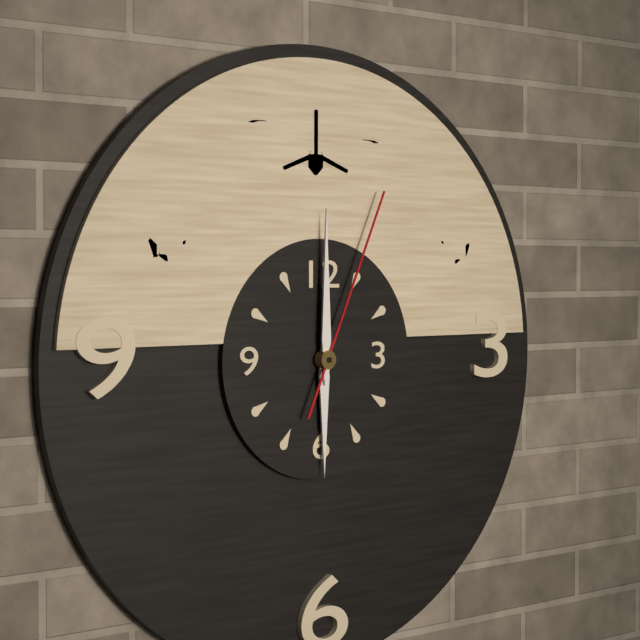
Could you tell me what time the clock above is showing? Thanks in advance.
6:00:04
